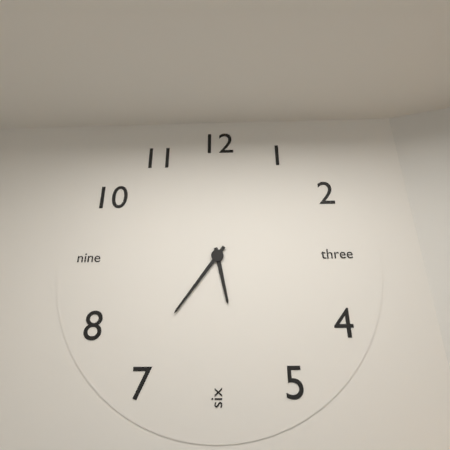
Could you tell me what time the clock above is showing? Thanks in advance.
5:36
